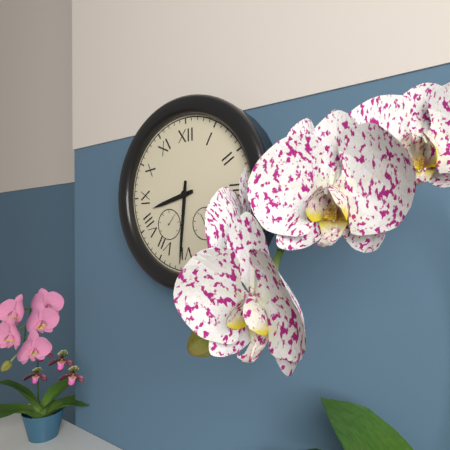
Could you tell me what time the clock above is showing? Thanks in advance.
8:31
